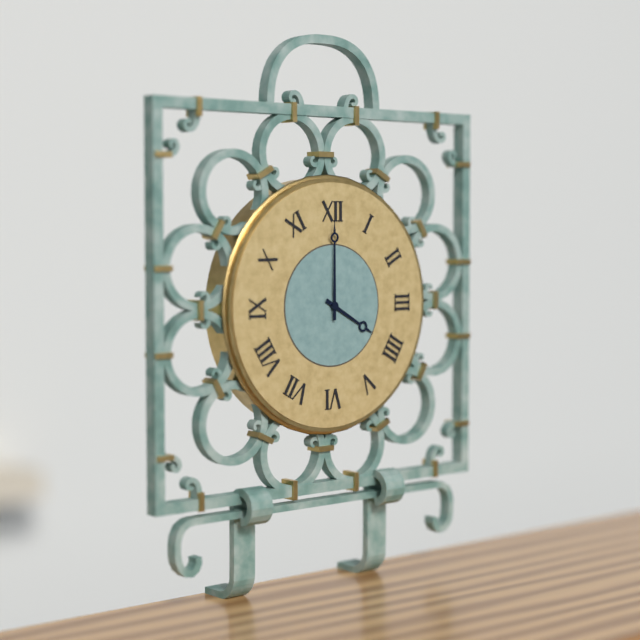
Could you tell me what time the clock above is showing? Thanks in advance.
4:00
